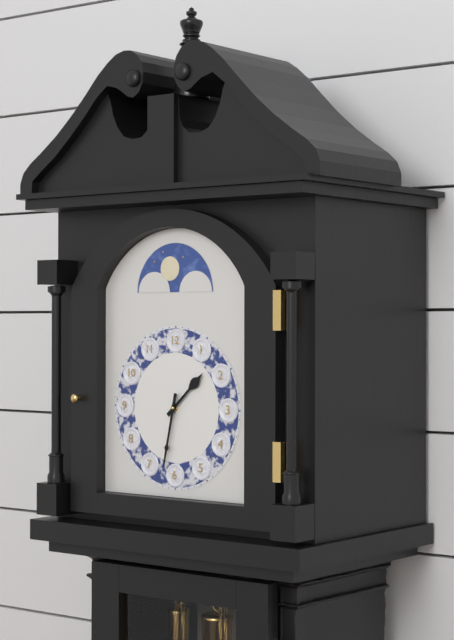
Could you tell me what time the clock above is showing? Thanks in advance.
1:32
